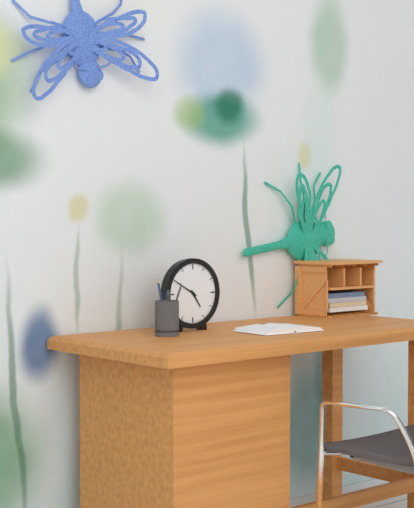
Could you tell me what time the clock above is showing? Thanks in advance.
4:50
